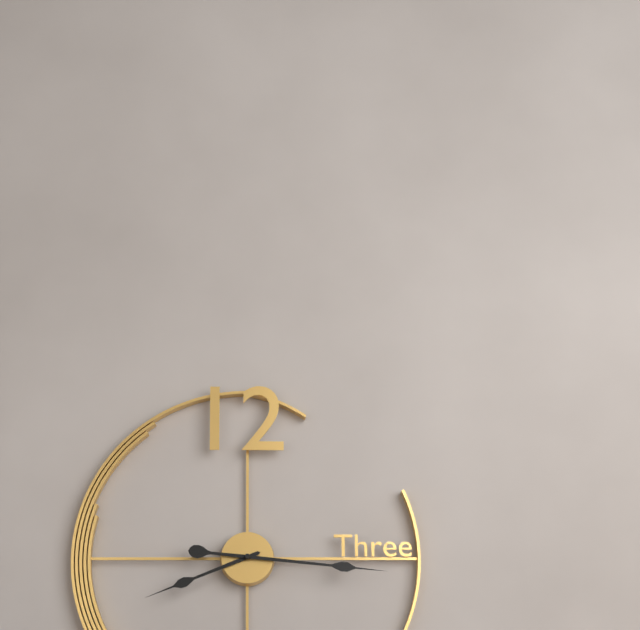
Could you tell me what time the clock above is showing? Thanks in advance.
8:16
